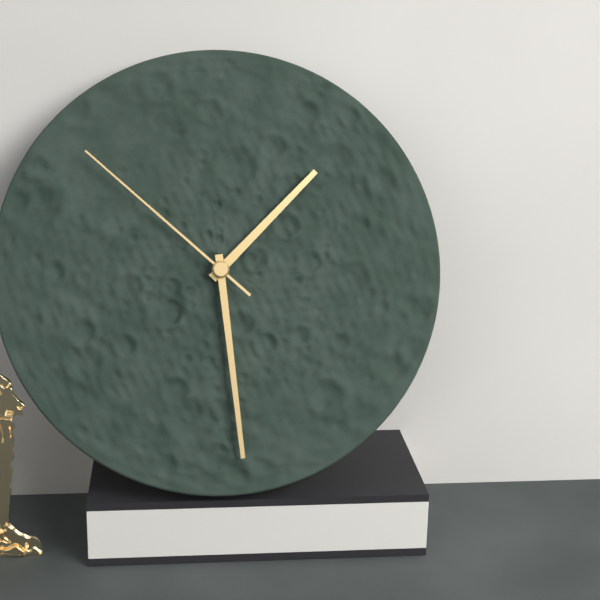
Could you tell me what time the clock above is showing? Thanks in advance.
1:29:52
